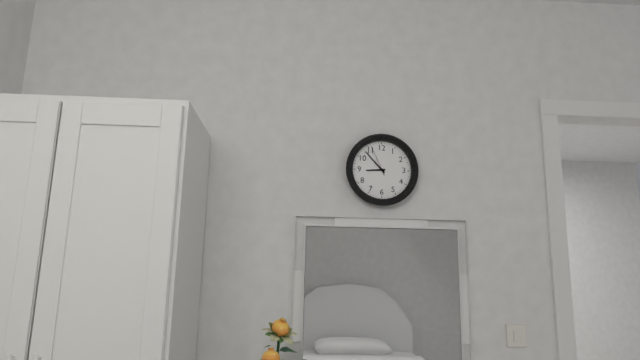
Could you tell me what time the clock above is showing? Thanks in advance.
8:53
